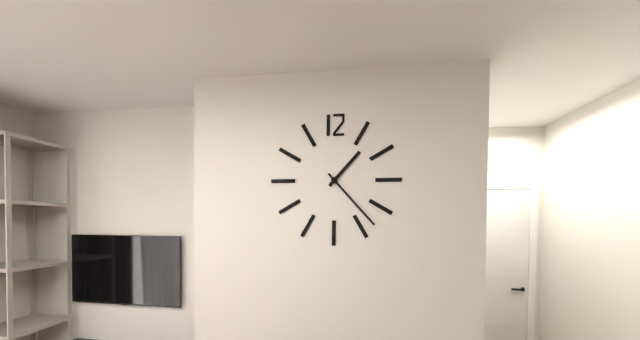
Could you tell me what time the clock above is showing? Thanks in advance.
1:23
